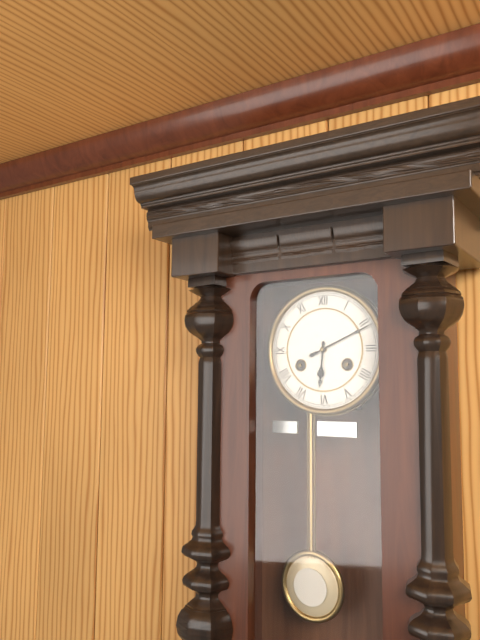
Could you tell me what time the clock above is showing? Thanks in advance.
6:11
